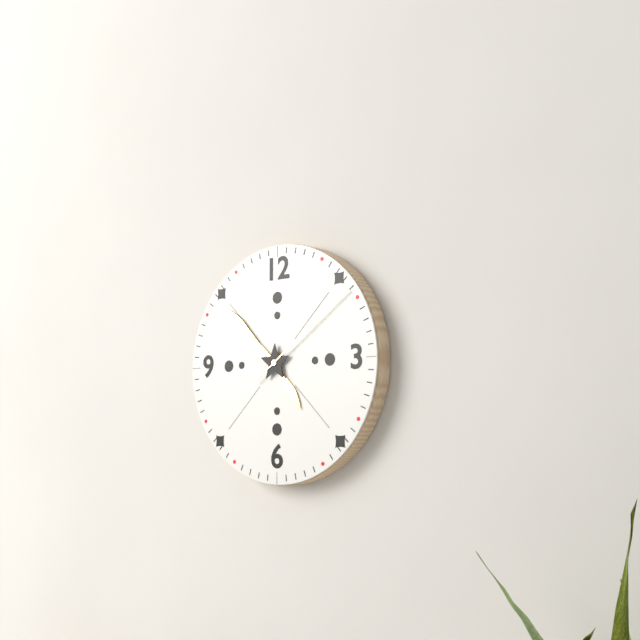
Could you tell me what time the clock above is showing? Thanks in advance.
4:52:09
